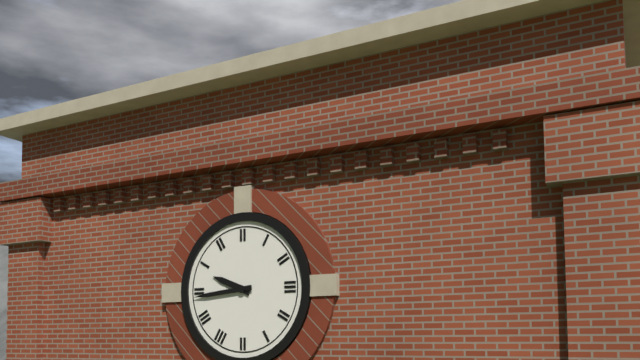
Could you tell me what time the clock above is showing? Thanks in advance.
9:44
